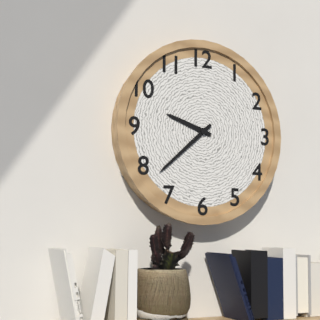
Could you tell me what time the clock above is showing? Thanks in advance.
9:38
